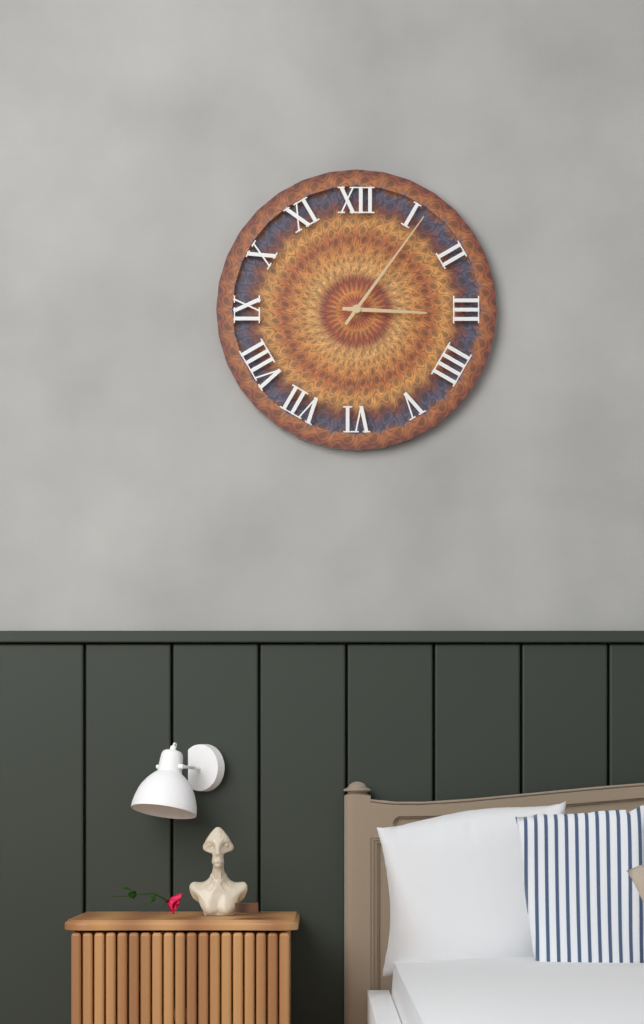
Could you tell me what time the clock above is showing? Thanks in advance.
3:06
